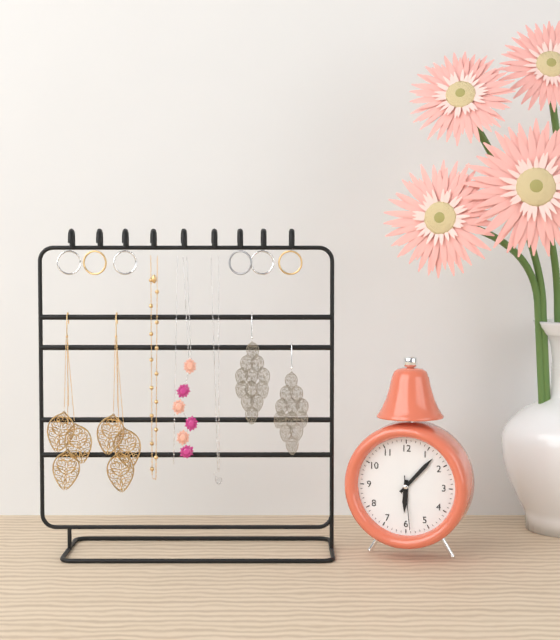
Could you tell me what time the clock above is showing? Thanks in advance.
6:07:29
